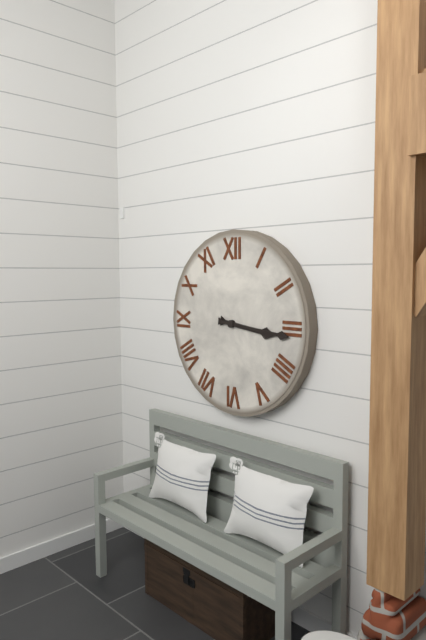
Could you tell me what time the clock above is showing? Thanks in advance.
3:16
